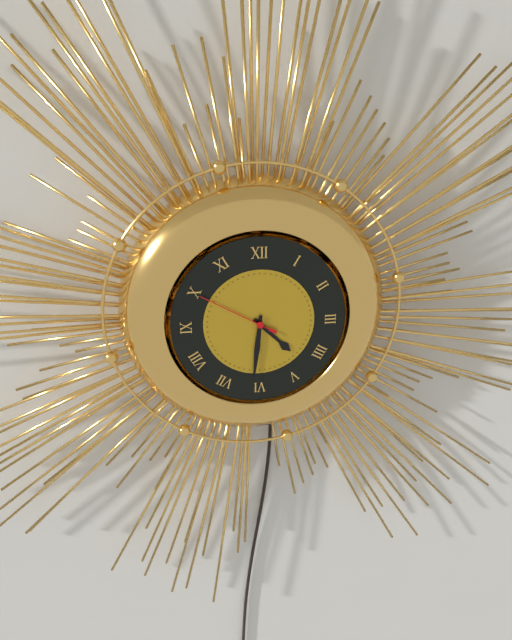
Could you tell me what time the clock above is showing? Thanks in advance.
4:31:50
